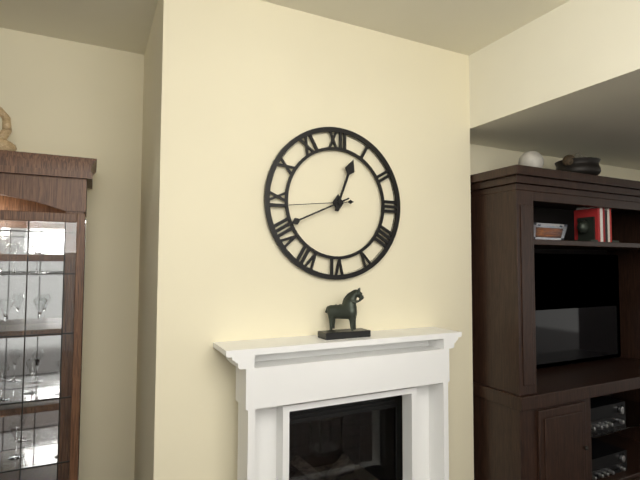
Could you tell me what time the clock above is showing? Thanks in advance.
12:41:44
